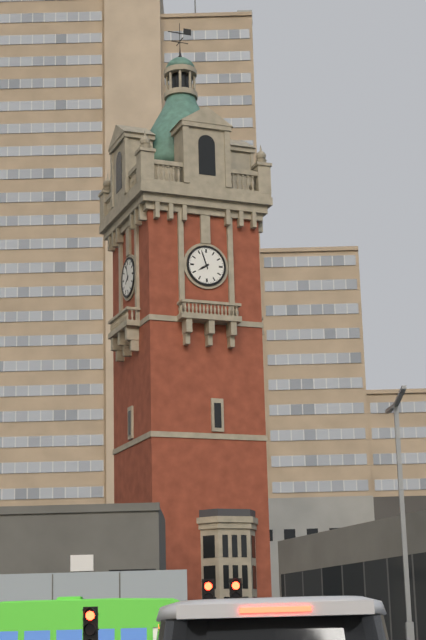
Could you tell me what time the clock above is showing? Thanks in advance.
7:57
